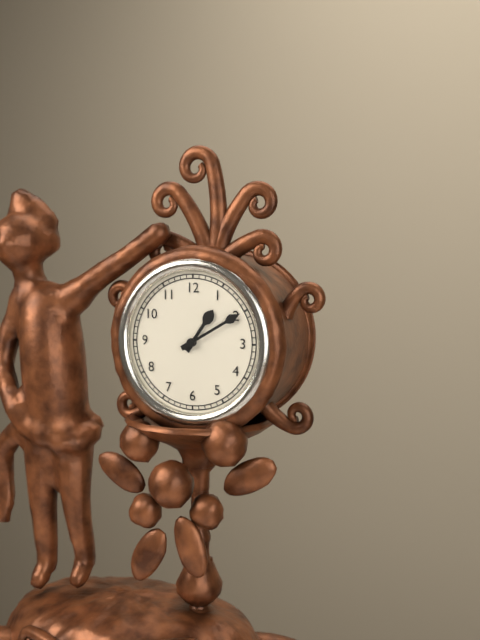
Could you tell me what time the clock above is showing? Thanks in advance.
1:10
